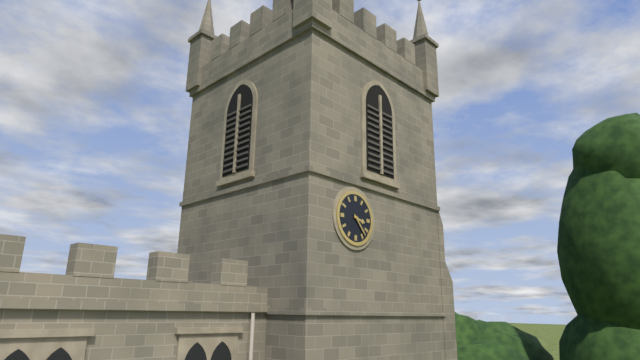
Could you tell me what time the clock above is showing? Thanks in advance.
3:23
